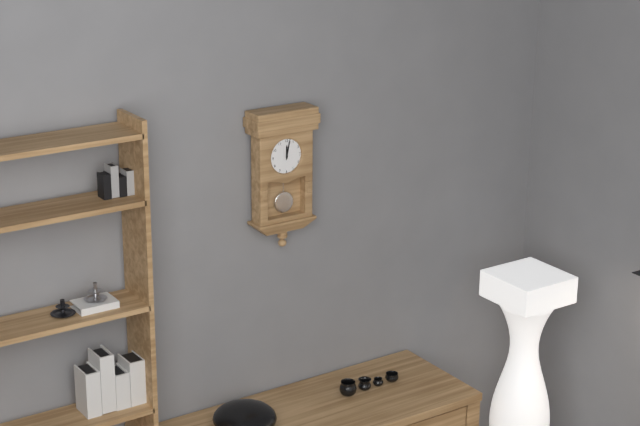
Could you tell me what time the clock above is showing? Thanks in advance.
12:02
